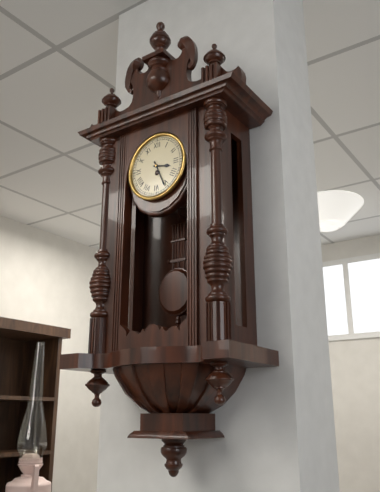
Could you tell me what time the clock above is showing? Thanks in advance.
3:26
